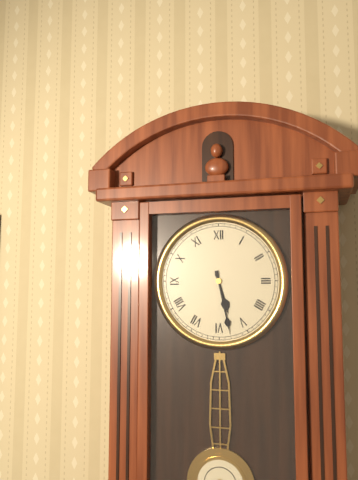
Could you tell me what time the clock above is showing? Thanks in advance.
5:28
